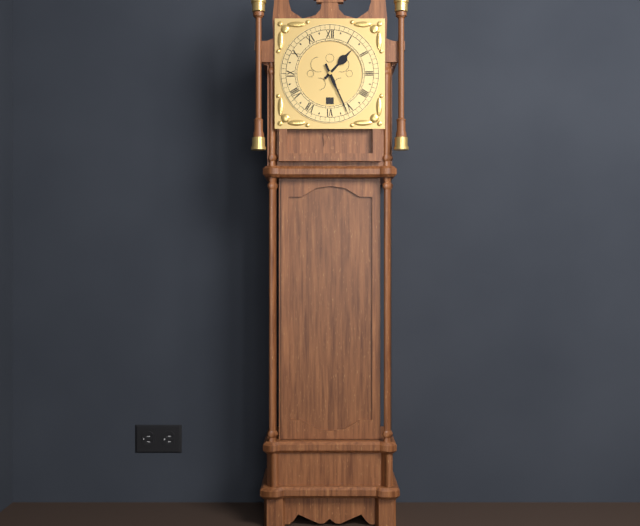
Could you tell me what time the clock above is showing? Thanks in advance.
1:26
